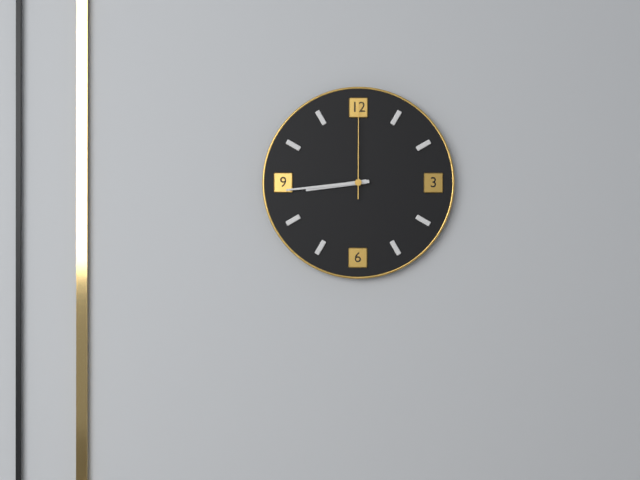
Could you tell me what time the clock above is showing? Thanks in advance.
8:44:00
